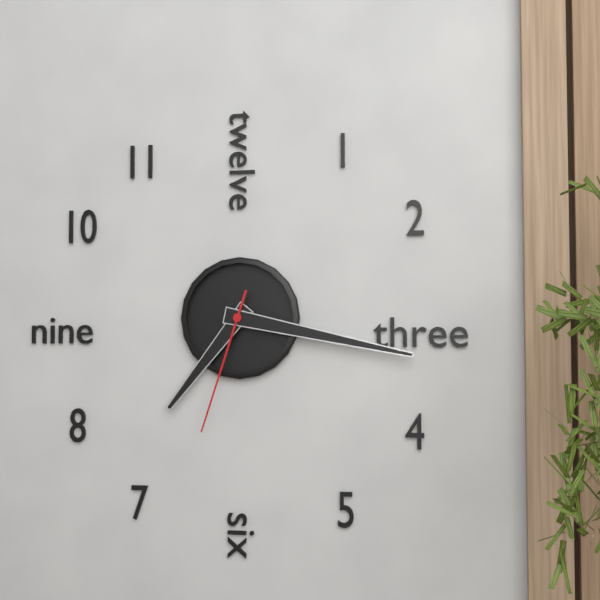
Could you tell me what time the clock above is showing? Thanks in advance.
7:17:33
